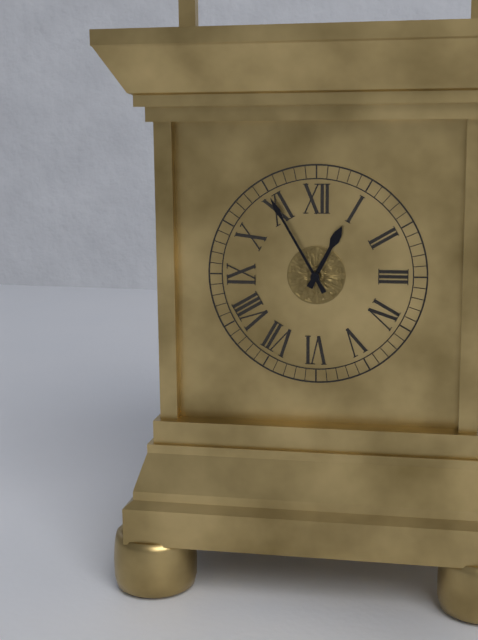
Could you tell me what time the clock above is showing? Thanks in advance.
12:55
